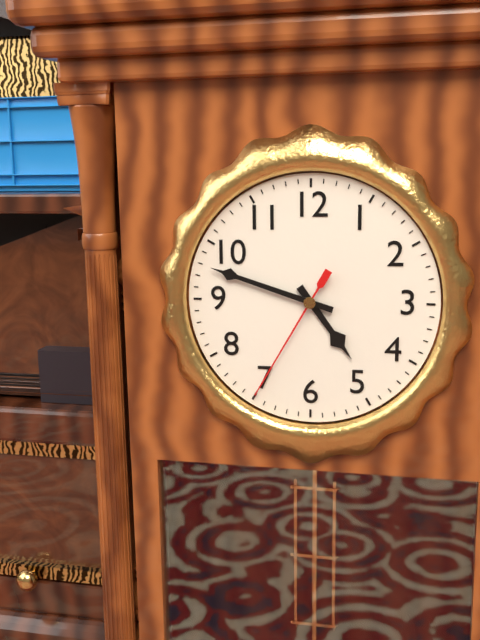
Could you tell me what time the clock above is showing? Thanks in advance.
4:48:35
